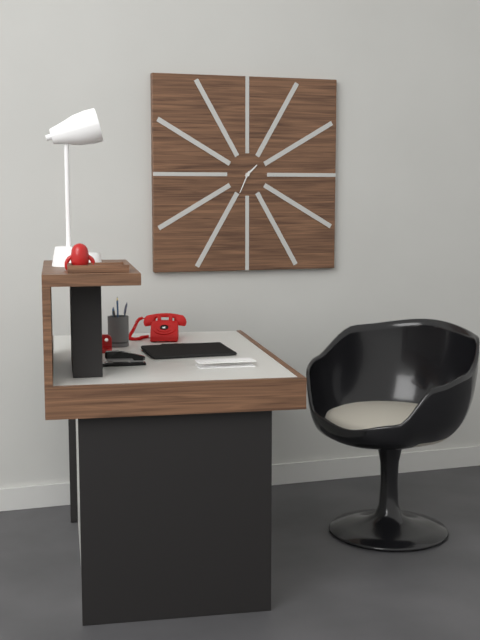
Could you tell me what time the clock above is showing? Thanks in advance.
1:34
